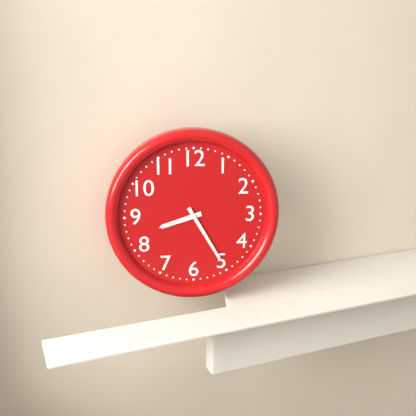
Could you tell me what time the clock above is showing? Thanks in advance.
8:25
